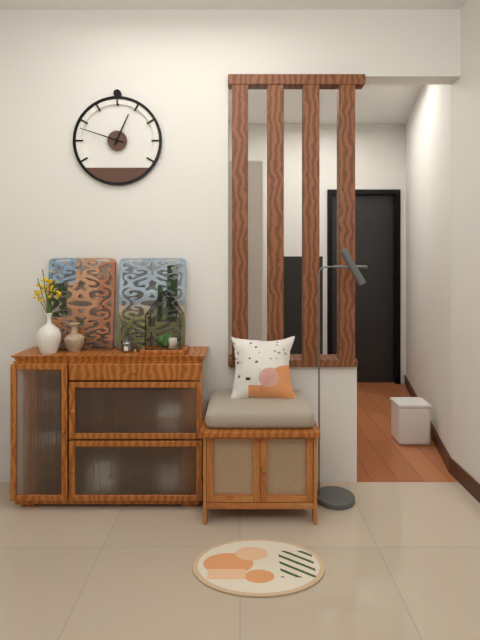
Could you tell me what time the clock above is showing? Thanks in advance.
12:48
